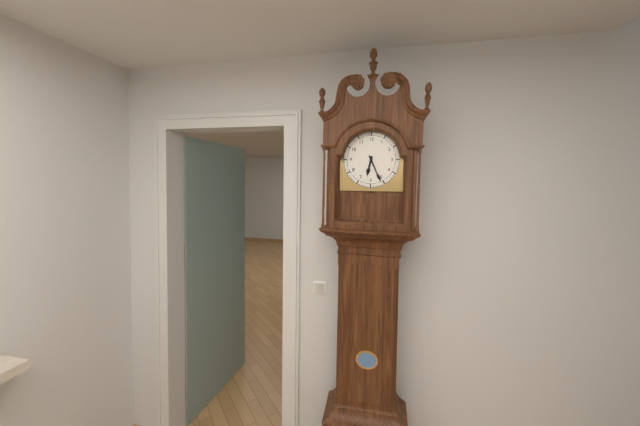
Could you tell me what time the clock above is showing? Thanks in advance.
6:26
